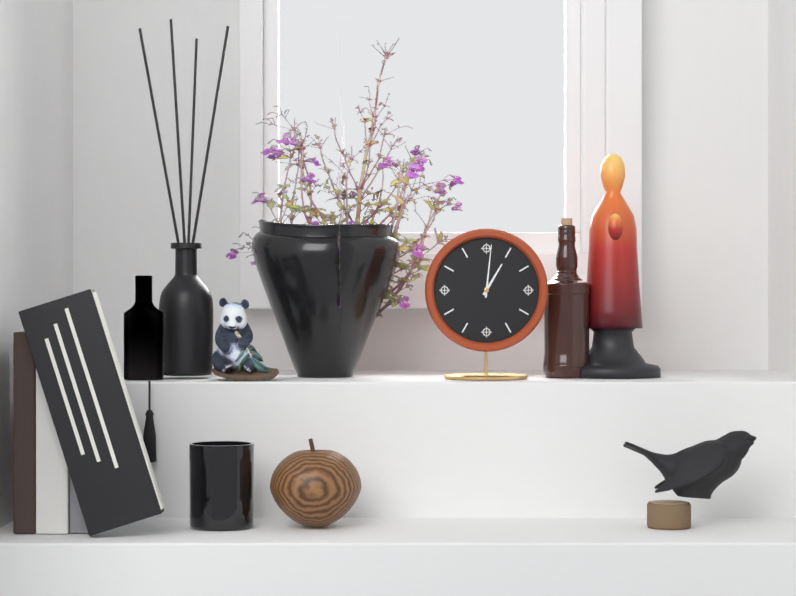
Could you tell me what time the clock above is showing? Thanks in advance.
1:01
